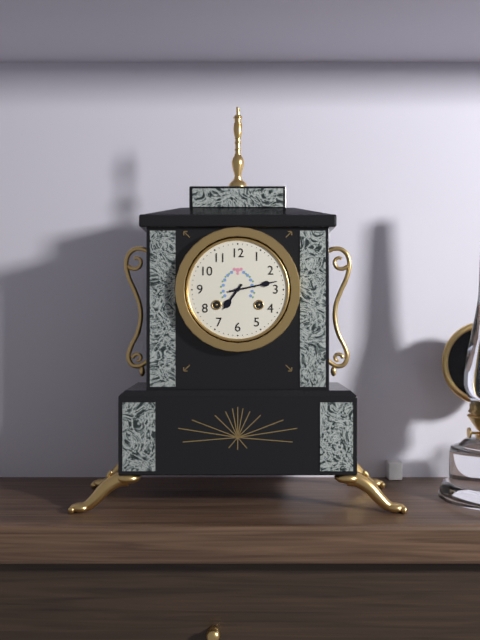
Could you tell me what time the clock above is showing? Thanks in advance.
7:13
